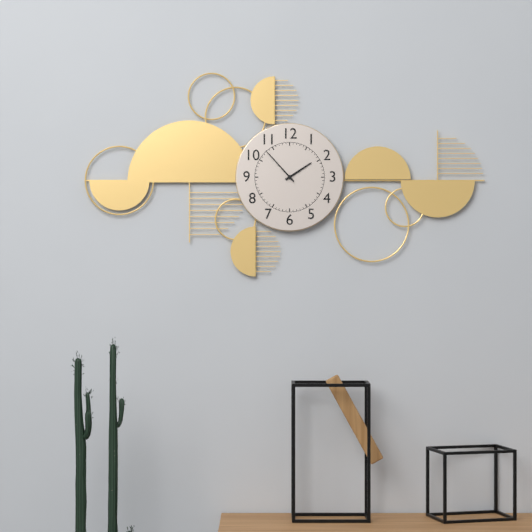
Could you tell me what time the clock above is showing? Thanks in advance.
1:53
